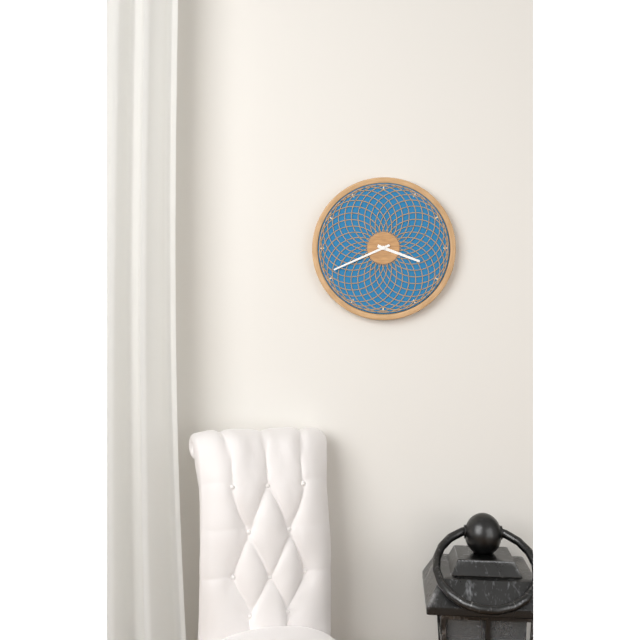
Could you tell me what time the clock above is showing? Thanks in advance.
3:41
